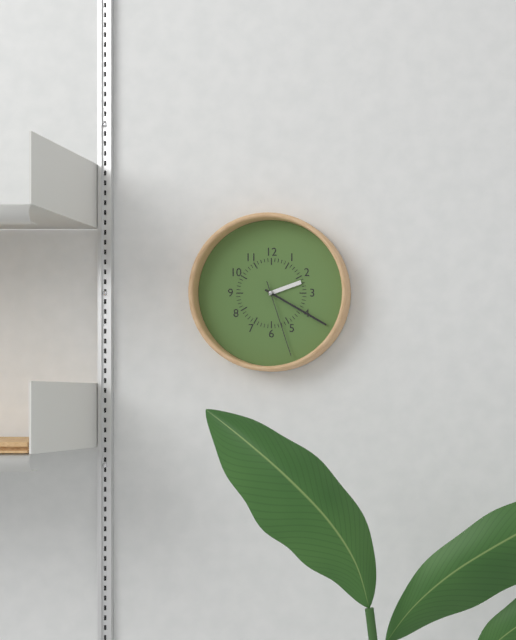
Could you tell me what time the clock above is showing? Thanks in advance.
2:20:27
